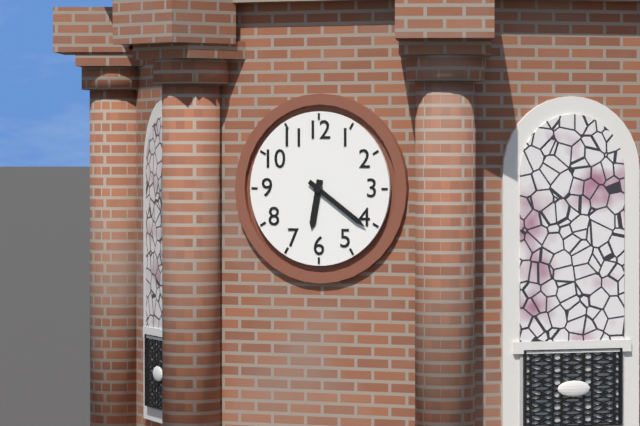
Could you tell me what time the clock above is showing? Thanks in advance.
6:21
